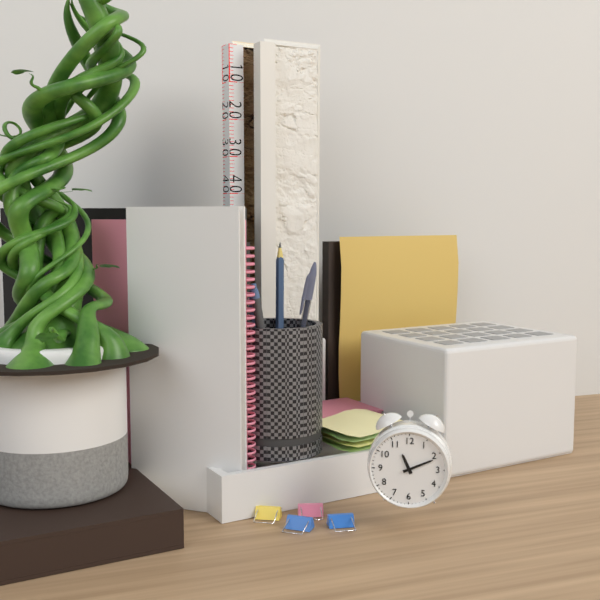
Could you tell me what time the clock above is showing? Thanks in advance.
11:11
